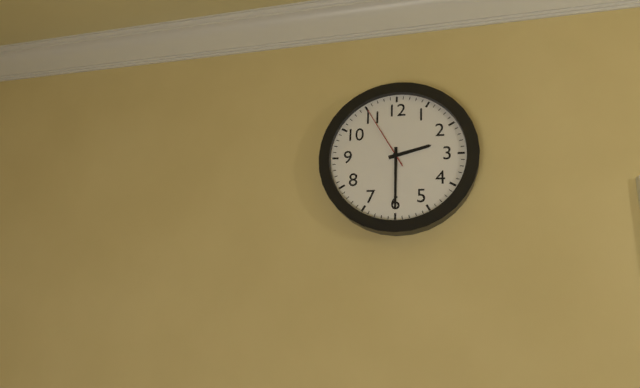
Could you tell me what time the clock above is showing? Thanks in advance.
2:30:55
